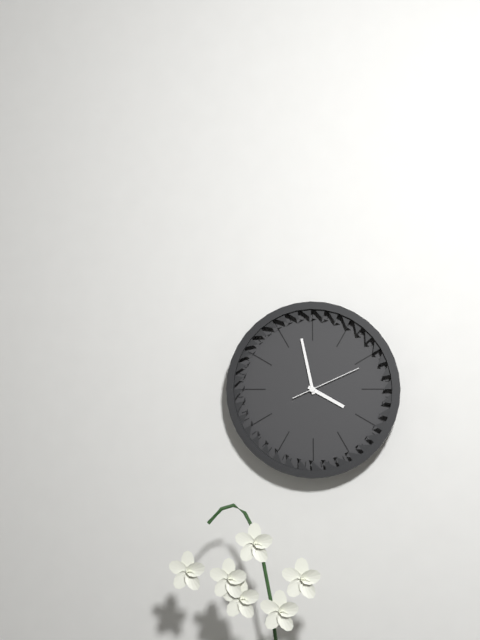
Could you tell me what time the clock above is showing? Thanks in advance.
3:58:11
